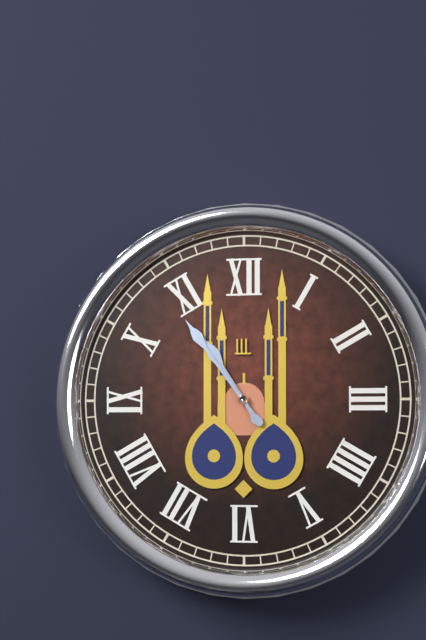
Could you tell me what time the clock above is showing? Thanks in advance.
10:54
